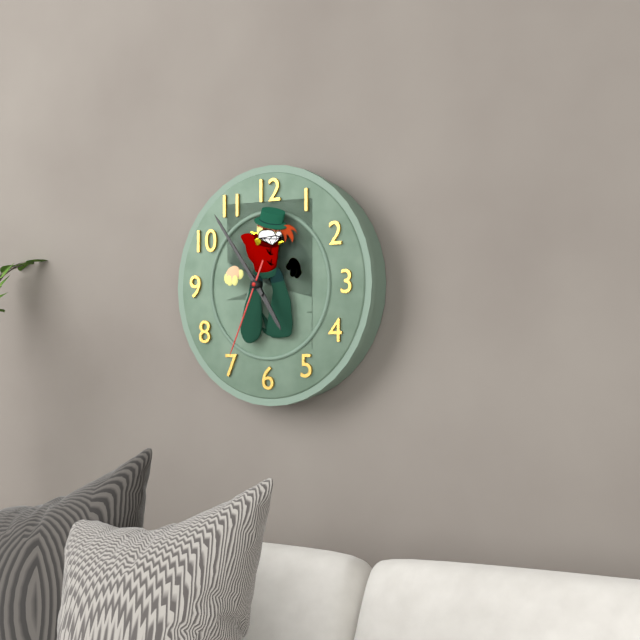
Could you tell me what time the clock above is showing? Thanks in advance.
4:54:34
